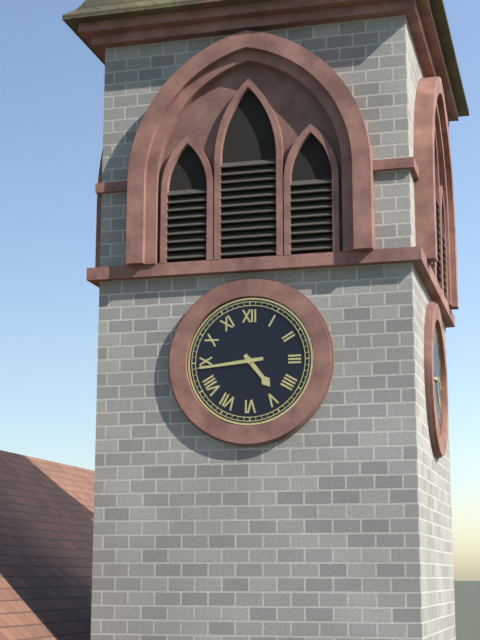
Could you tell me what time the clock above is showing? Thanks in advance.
4:44
